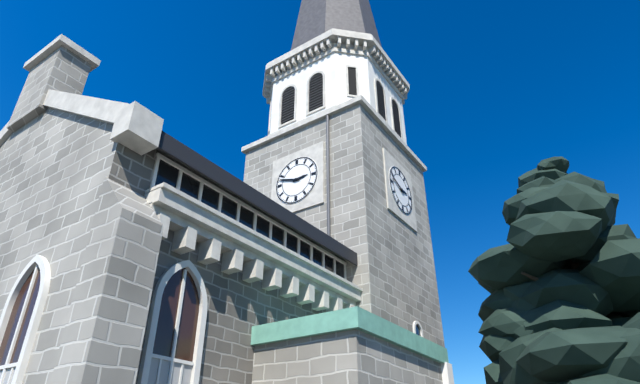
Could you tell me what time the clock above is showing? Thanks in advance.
2:48
